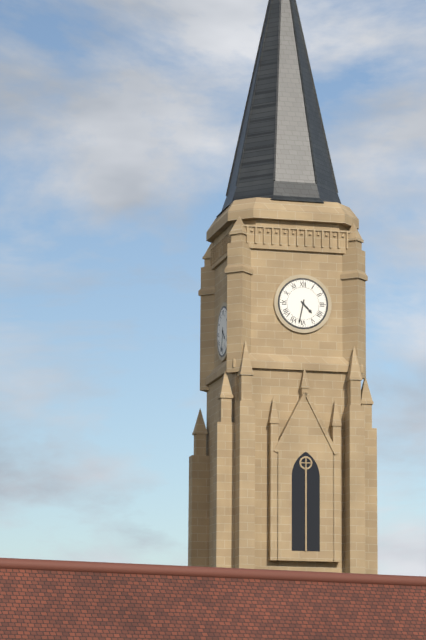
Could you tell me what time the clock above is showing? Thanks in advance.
4:32
